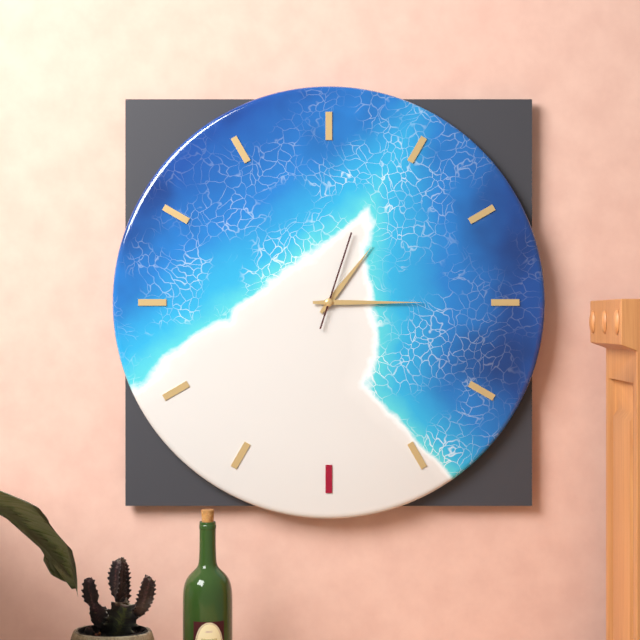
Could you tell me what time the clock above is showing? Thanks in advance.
1:15:03
